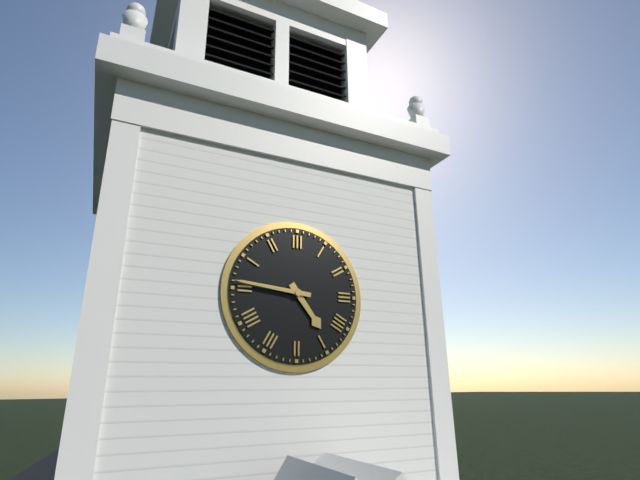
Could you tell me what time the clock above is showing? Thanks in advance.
4:46
